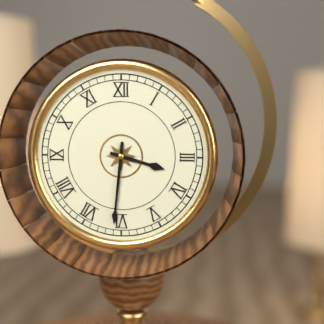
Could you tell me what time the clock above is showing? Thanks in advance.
3:31
